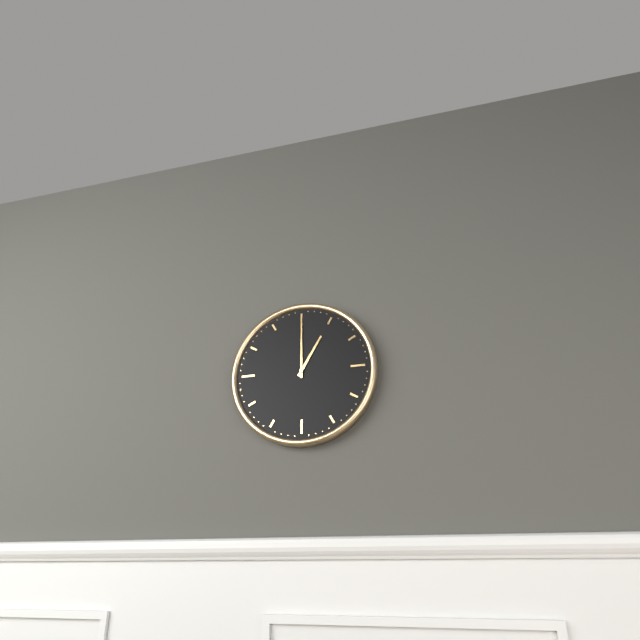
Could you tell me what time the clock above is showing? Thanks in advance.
1:00
